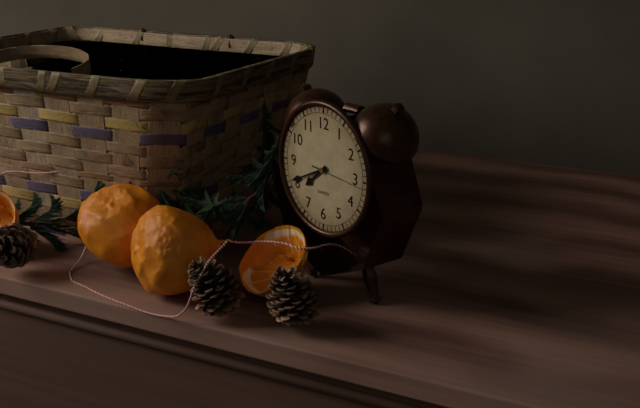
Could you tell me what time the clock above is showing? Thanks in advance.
7:41:16
